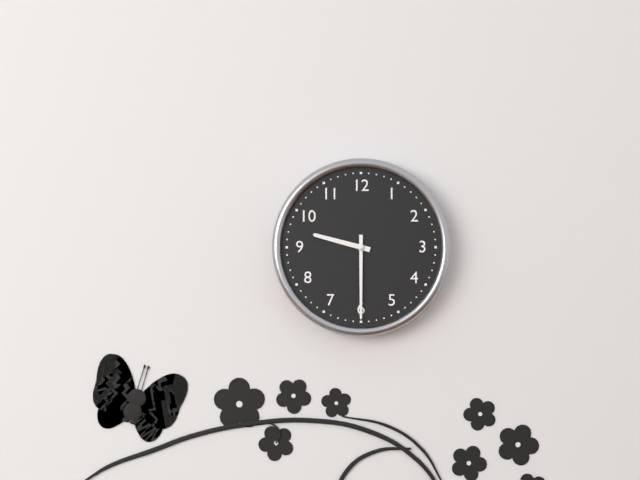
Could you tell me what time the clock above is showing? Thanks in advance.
9:30
